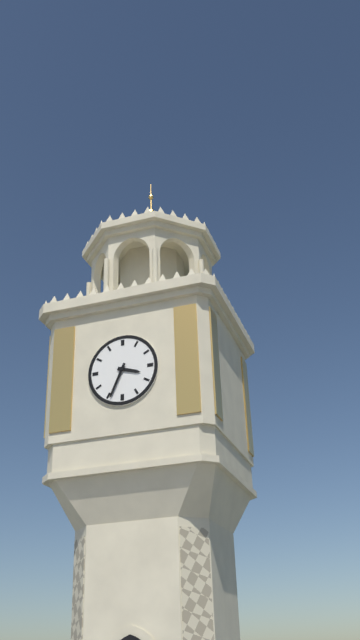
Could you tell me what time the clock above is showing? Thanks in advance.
3:34
